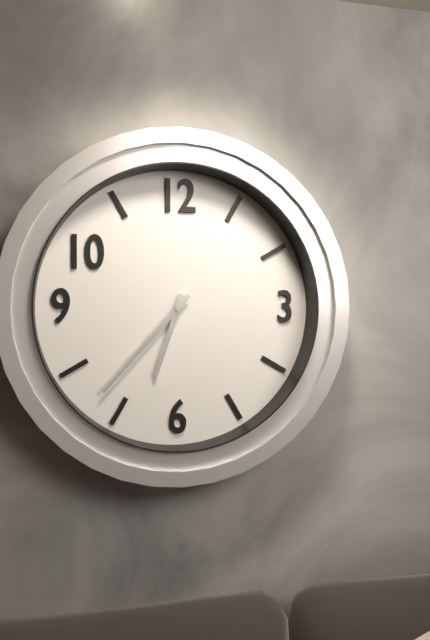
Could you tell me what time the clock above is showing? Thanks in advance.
6:37
